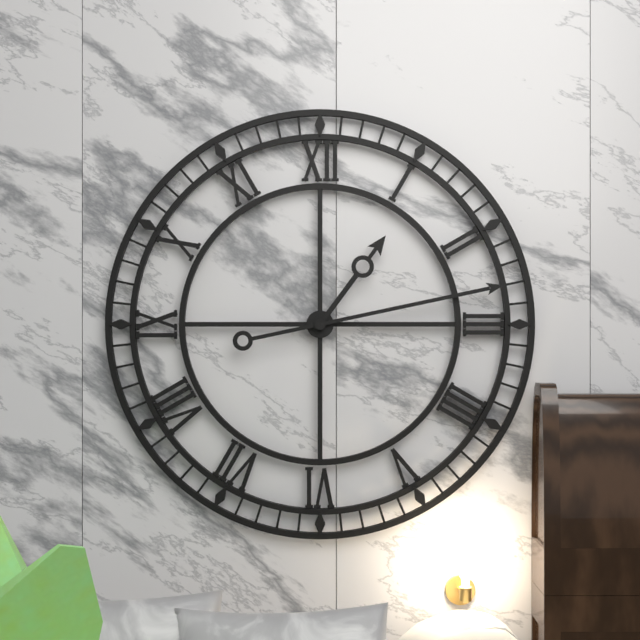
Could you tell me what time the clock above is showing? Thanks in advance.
1:13
